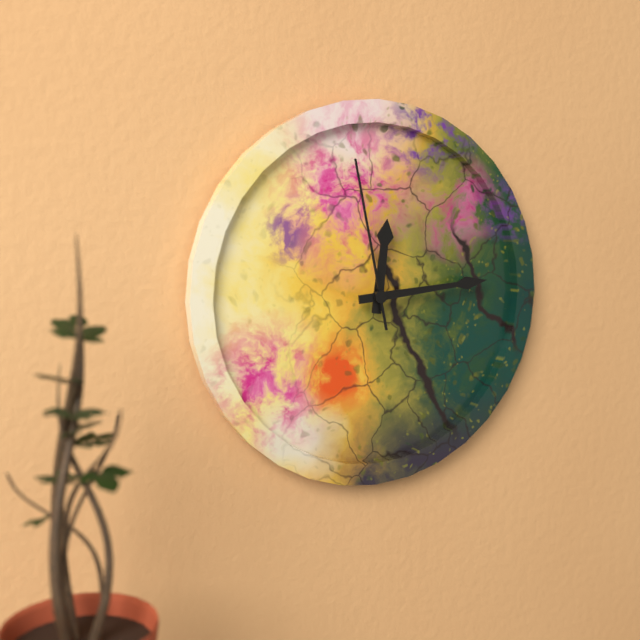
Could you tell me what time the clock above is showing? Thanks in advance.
12:14:58
